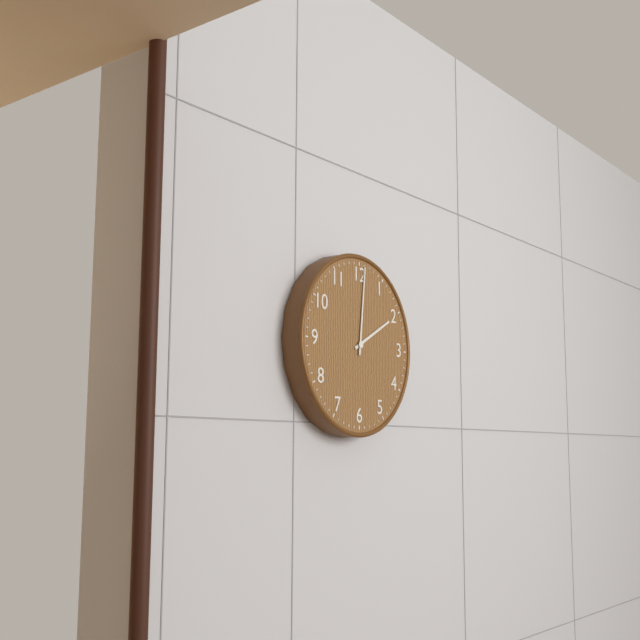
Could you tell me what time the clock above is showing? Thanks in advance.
2:01
